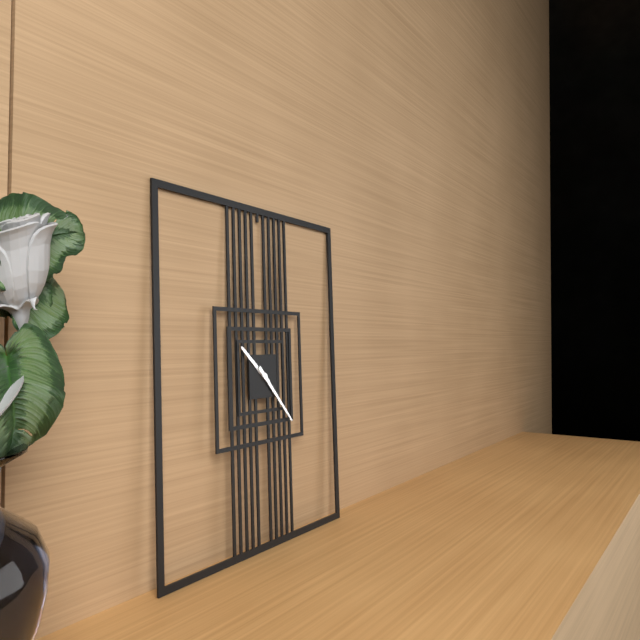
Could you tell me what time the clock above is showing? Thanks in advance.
10:23
